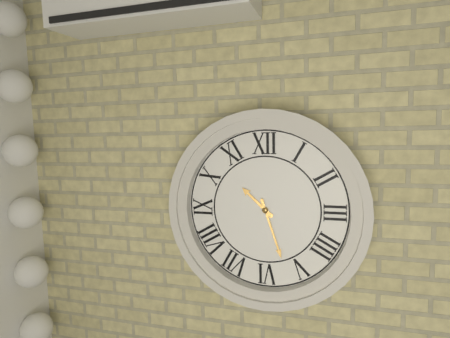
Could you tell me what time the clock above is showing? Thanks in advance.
10:27
